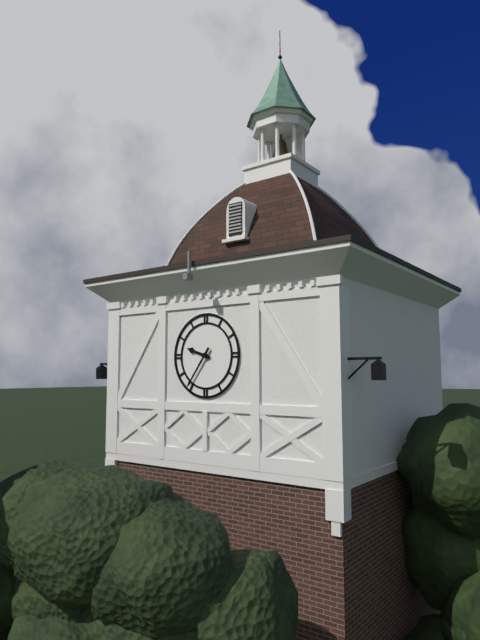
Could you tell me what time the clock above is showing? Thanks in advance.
9:36
